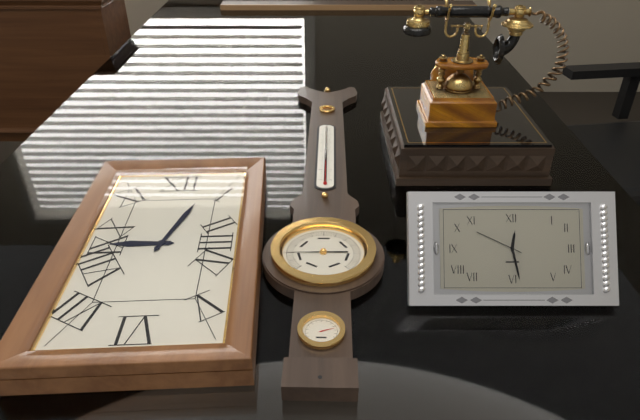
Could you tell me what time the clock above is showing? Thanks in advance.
9:03
